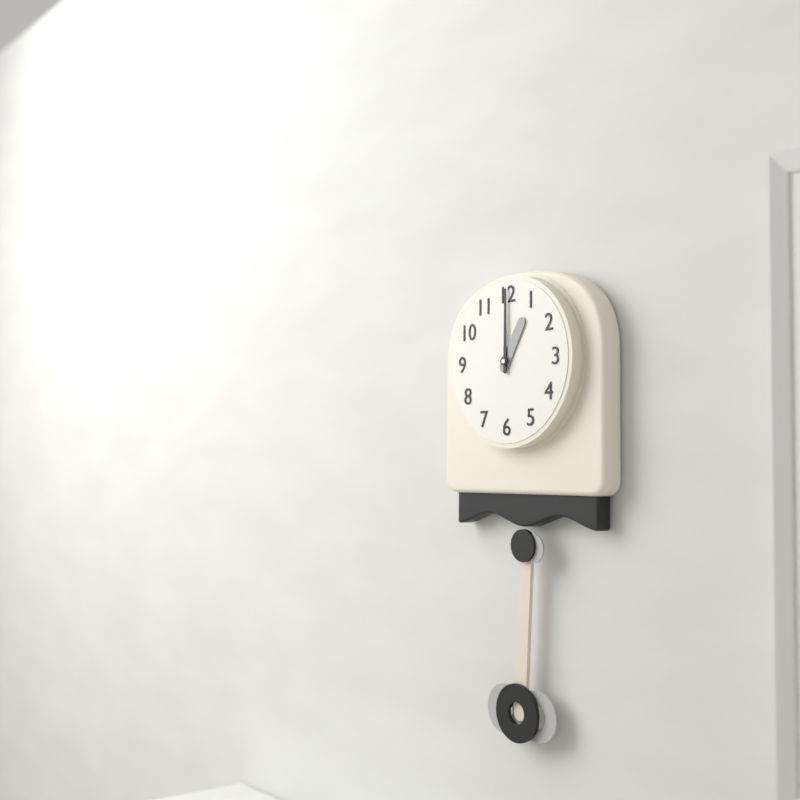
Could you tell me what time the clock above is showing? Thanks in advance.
1:00
